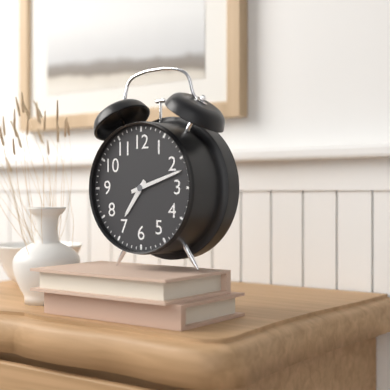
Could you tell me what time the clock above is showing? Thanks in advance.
7:12
